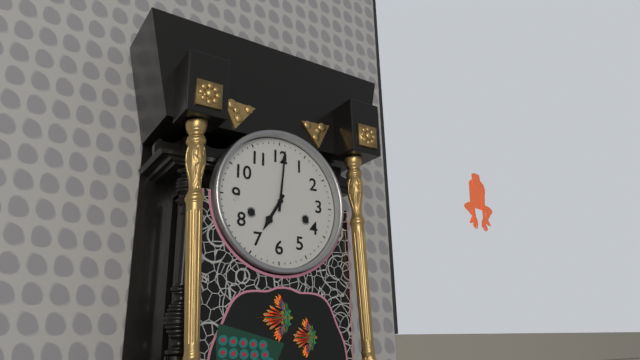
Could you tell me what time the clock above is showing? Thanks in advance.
7:01
